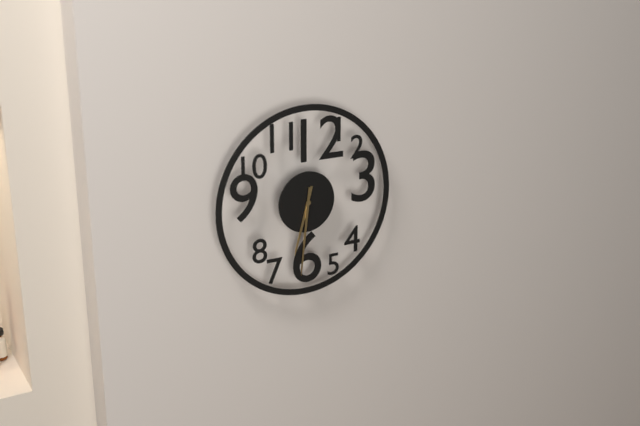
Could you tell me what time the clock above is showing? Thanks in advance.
6:31
